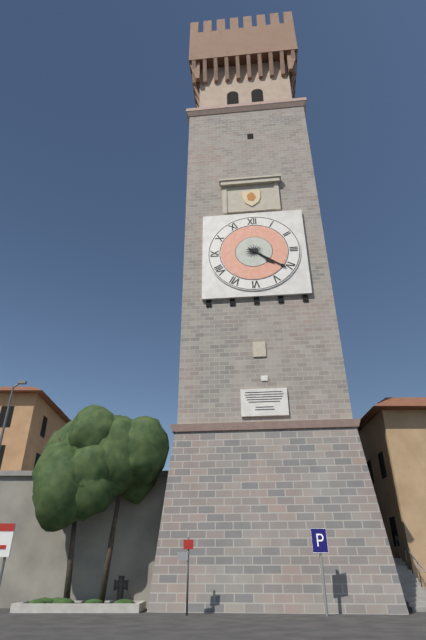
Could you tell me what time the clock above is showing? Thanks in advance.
4:21
